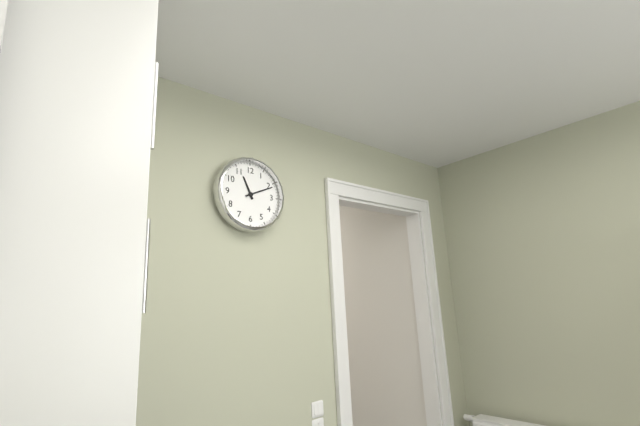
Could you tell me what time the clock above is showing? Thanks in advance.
11:11
